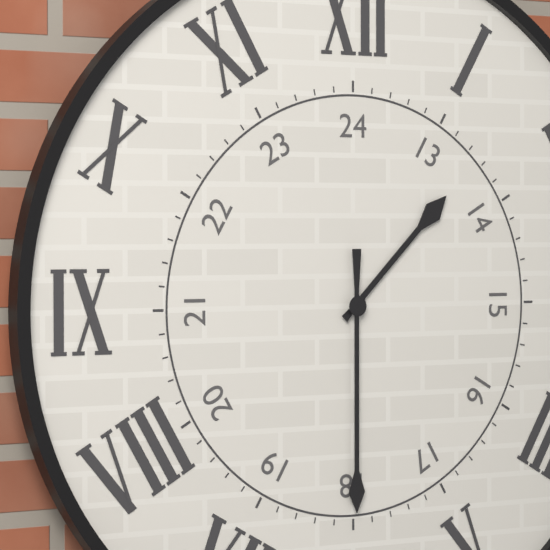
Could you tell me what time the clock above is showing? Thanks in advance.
1:30
